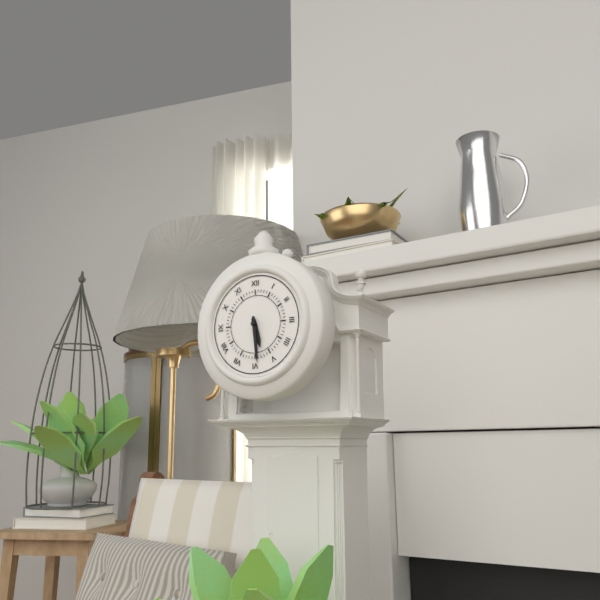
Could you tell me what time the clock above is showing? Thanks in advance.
5:29
